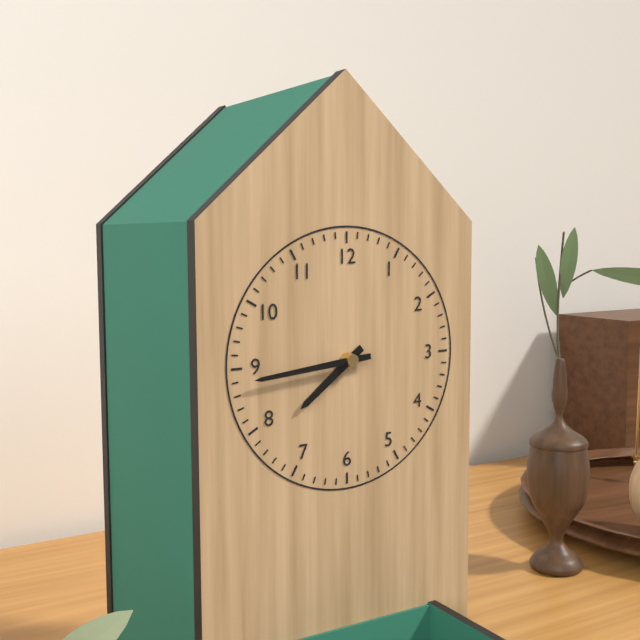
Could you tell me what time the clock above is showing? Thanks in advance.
7:44
